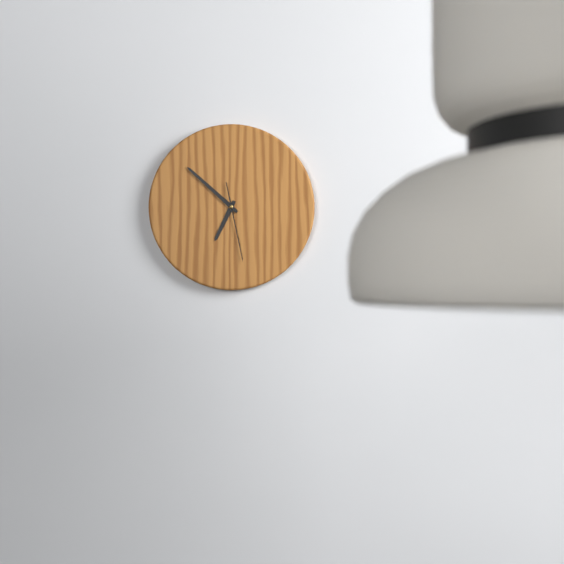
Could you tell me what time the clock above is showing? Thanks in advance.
6:52:28
